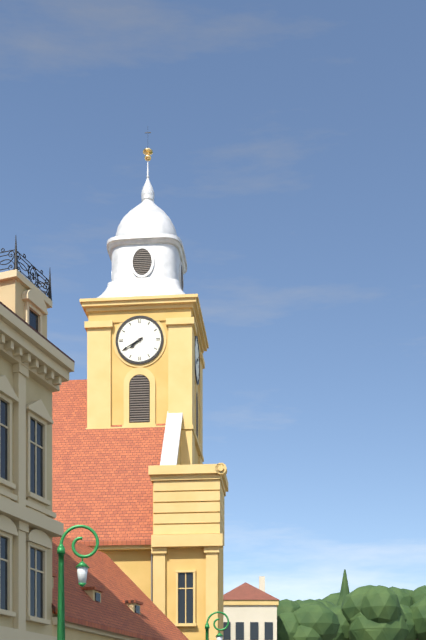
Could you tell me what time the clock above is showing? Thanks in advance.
7:40
